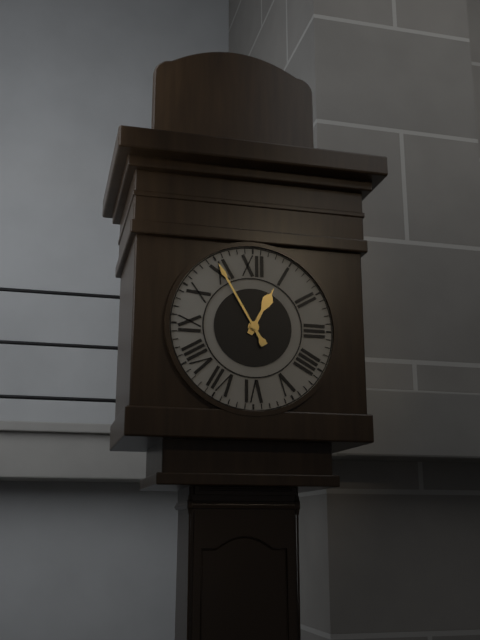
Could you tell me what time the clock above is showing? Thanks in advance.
12:55
